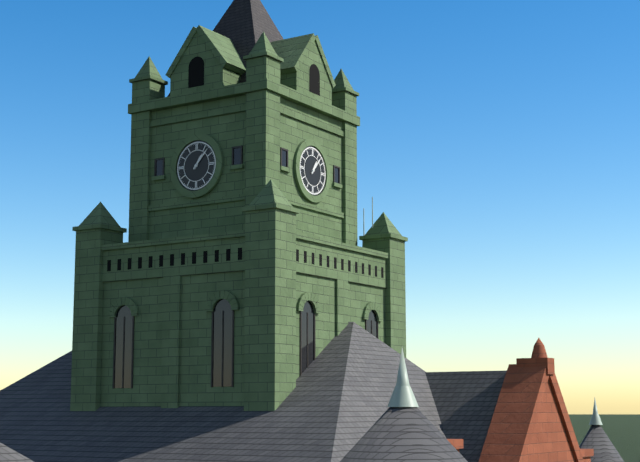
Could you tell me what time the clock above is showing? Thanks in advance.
1:07
